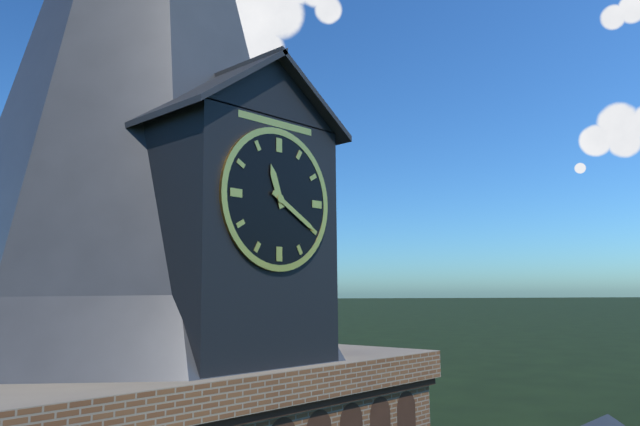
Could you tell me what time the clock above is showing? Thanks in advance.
11:20
